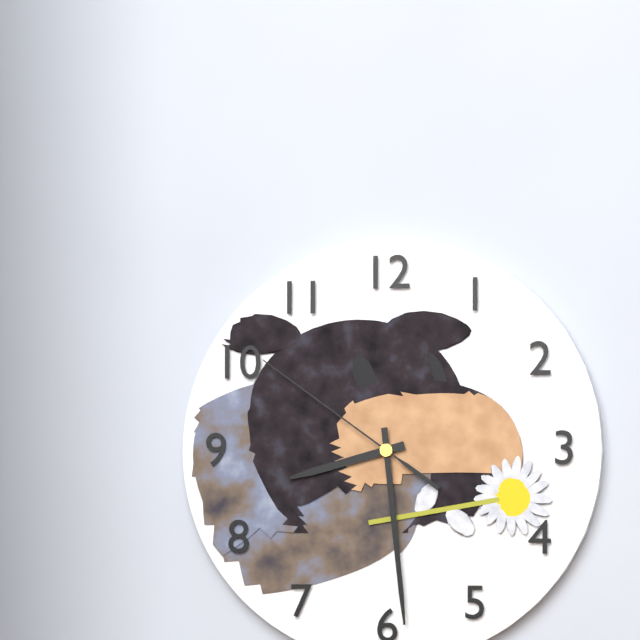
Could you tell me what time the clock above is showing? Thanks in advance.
8:29:51
